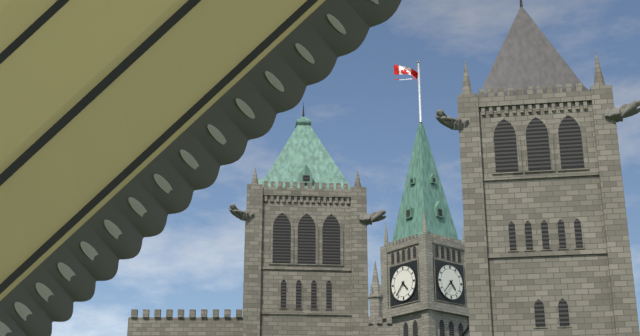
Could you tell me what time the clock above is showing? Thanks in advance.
4:37
